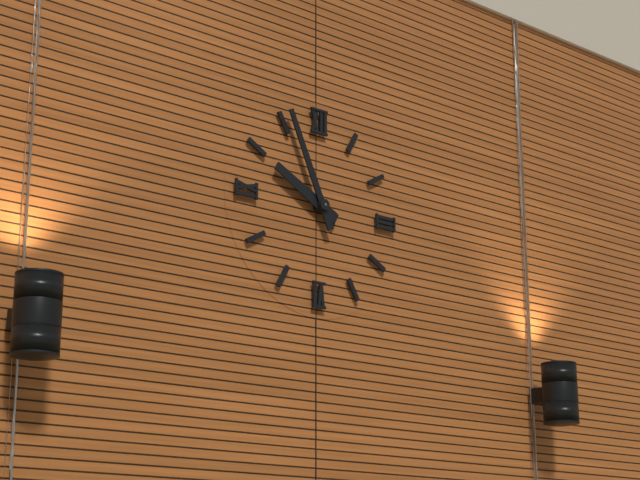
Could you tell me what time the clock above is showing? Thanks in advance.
9:56
